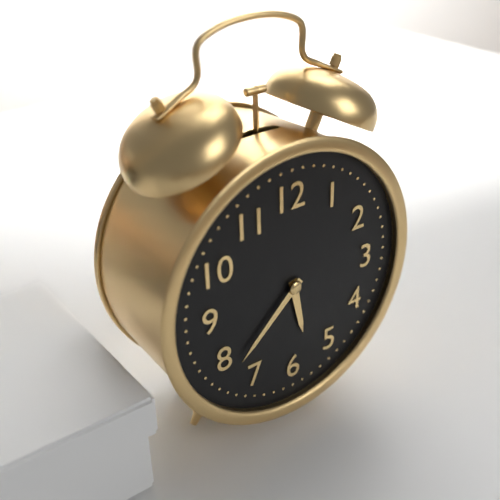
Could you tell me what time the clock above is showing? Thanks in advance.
5:38
